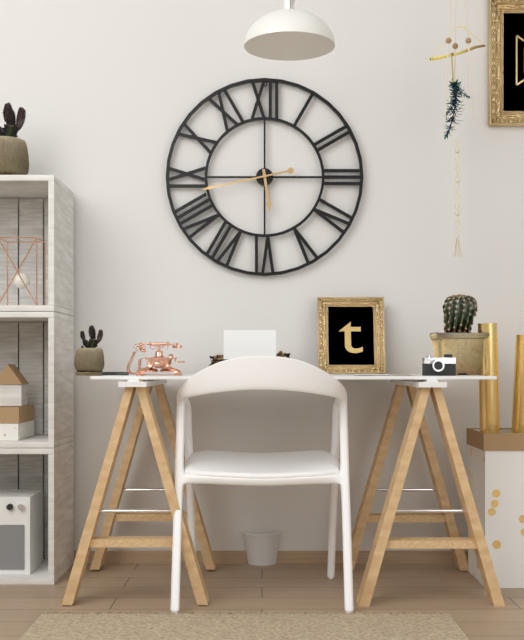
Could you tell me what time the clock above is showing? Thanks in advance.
5:43
